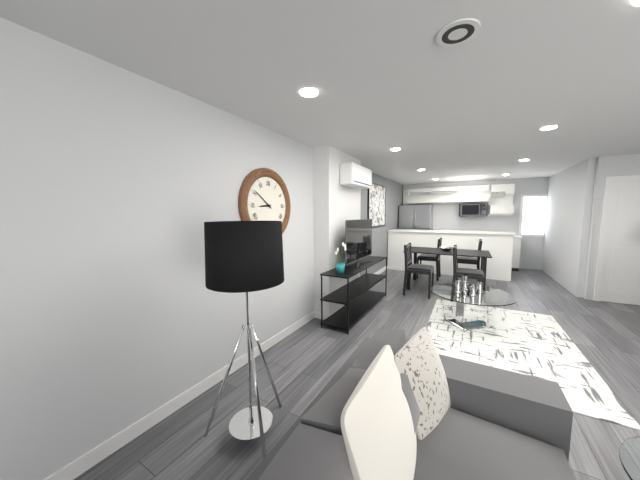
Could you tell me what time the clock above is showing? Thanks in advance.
8:51
